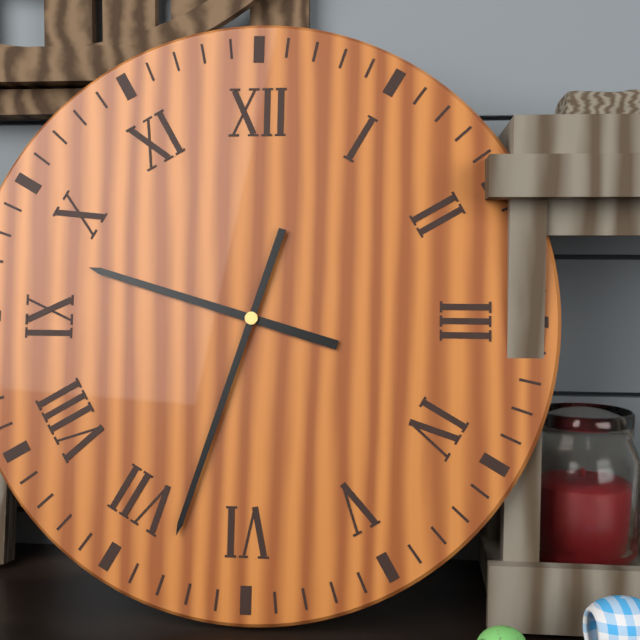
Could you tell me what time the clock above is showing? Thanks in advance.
9:33
